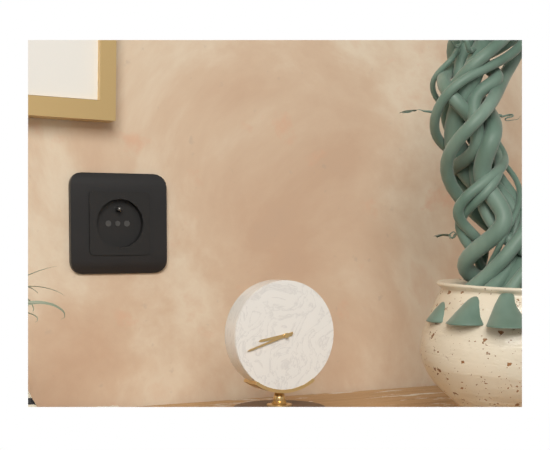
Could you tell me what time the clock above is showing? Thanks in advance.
8:42
